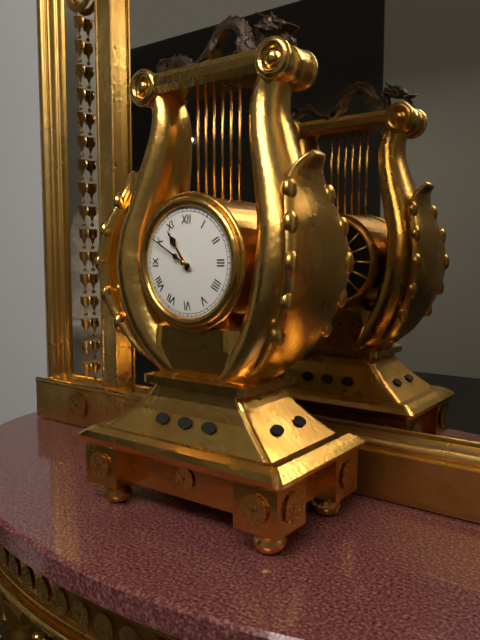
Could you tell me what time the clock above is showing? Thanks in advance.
10:50
